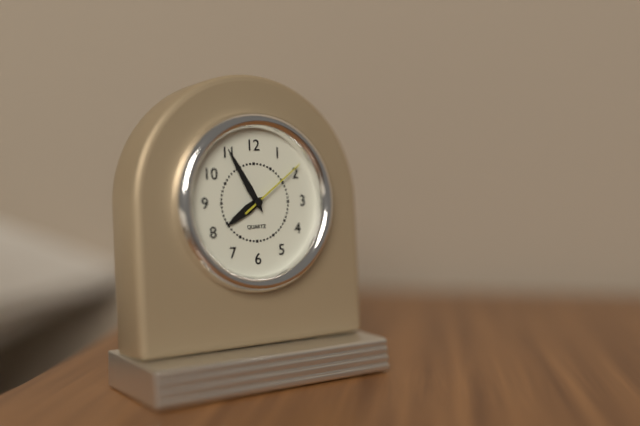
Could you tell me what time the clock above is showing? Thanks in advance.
7:55:09
